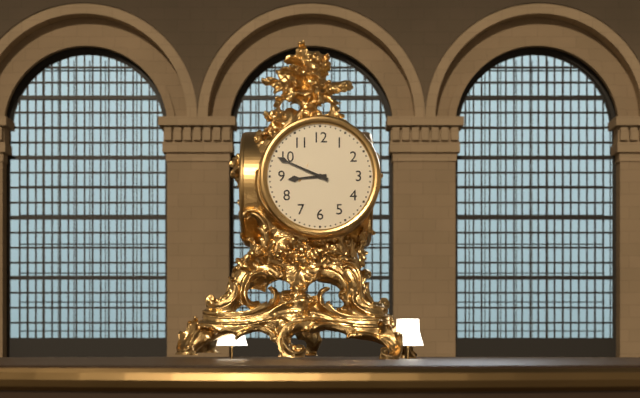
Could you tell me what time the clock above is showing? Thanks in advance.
8:49
